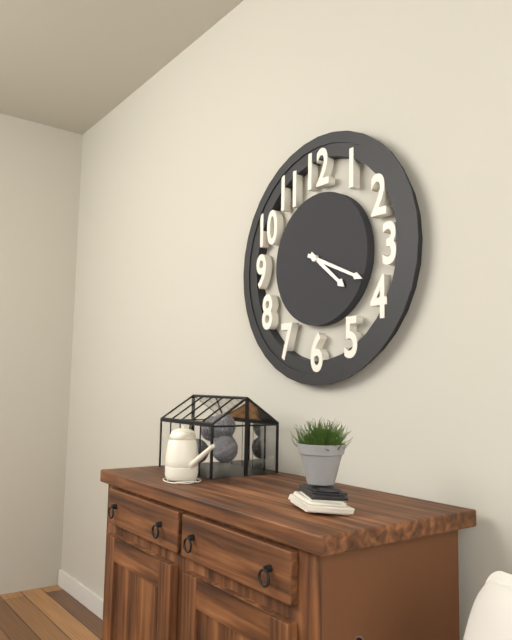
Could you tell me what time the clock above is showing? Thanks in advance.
4:19
